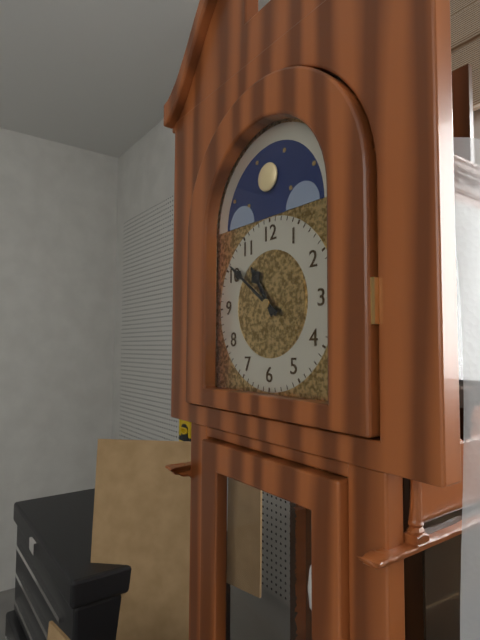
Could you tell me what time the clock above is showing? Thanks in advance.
10:51
